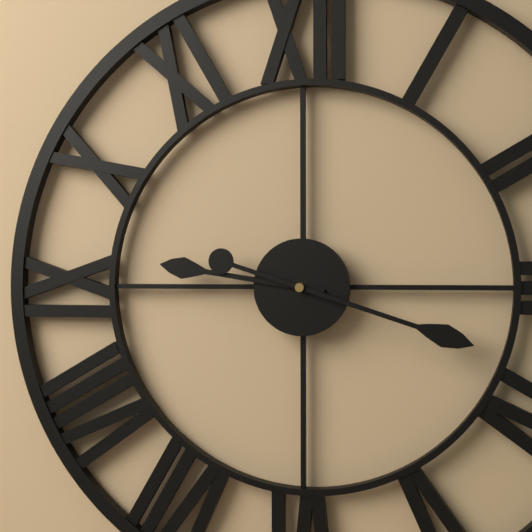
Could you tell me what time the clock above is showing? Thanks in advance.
9:18
